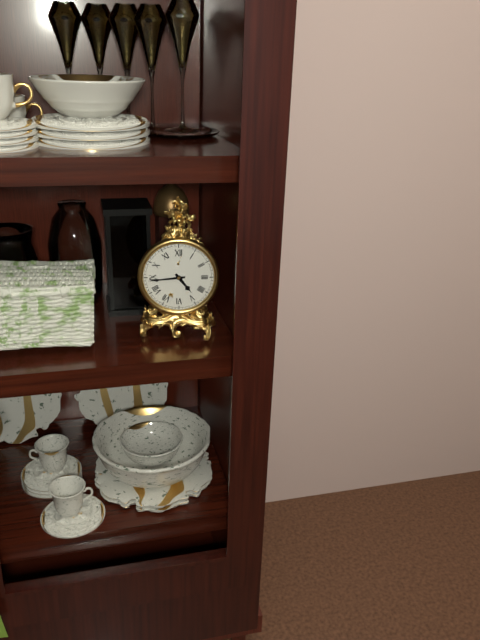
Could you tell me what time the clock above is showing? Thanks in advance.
4:44
